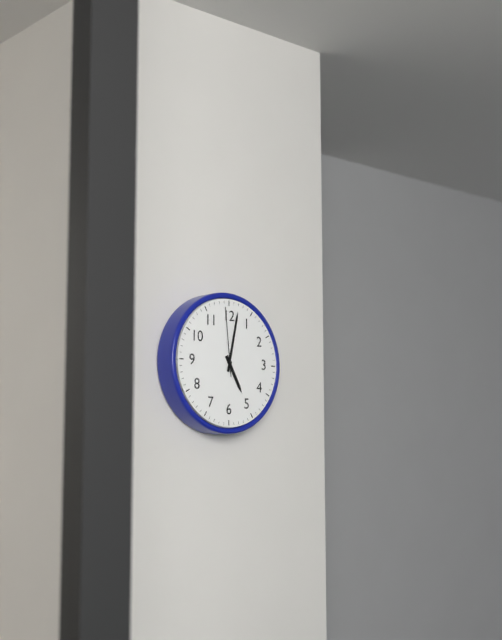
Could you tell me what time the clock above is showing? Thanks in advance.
5:02:59
